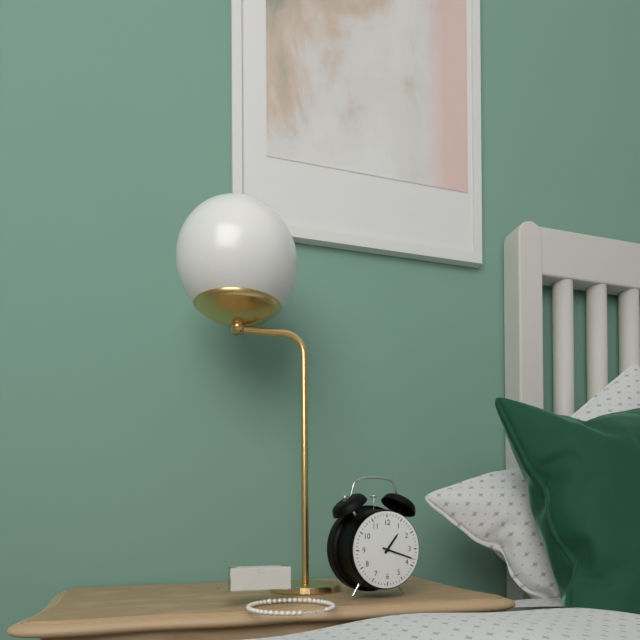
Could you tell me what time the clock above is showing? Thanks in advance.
1:18
